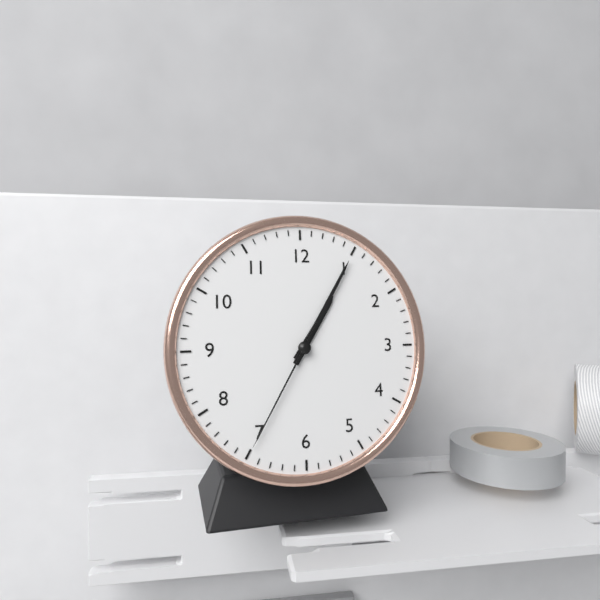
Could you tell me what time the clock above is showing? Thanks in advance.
1:05:35
